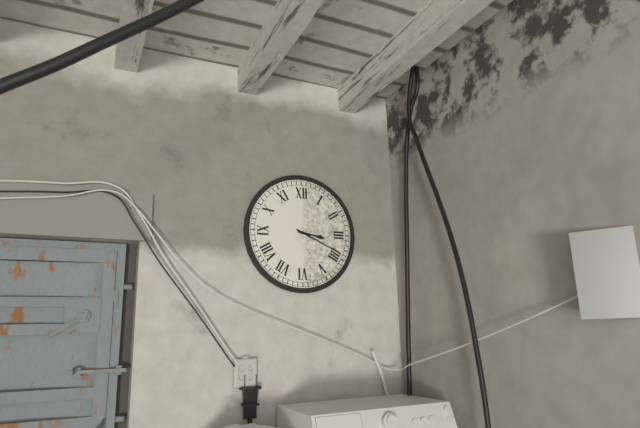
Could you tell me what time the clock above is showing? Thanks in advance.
3:19
